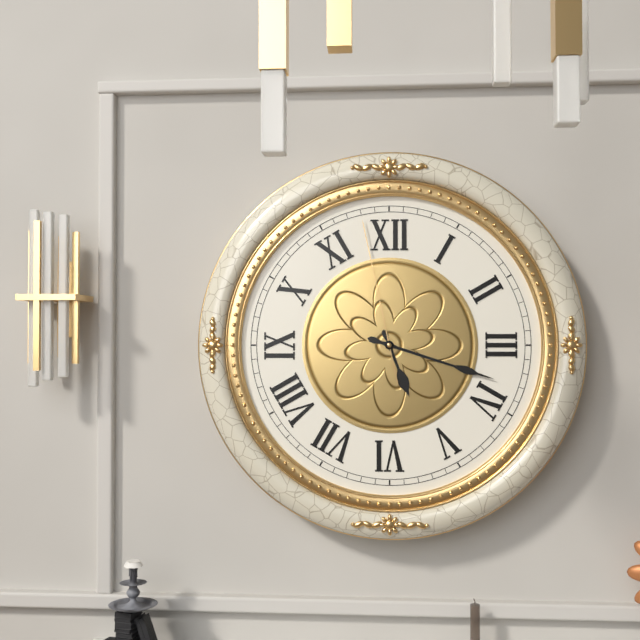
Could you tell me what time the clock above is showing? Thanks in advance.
5:18:58
